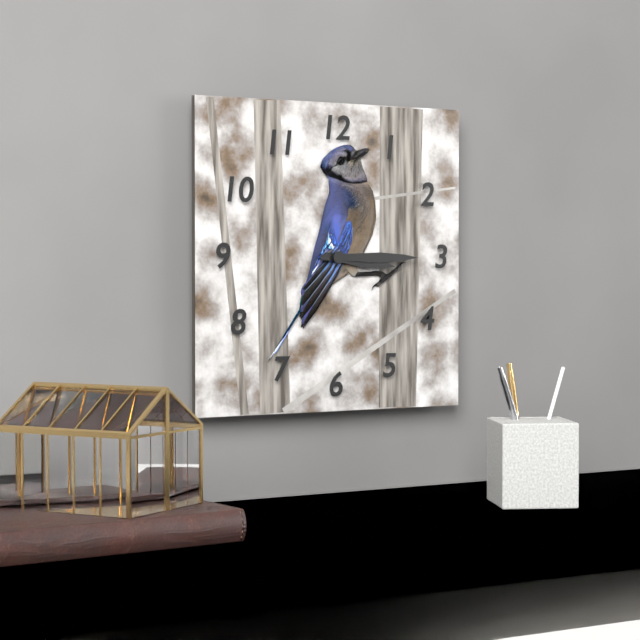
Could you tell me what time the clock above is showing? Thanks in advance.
3:15
